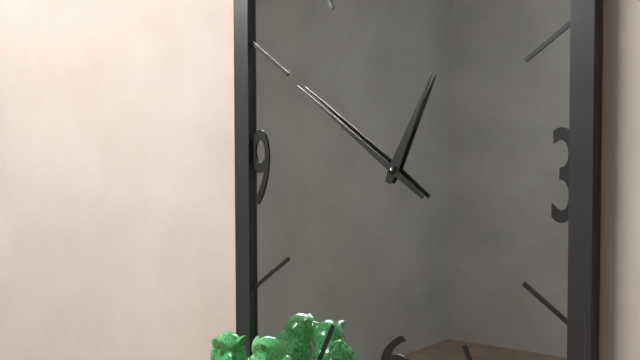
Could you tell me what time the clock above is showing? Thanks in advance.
12:51
